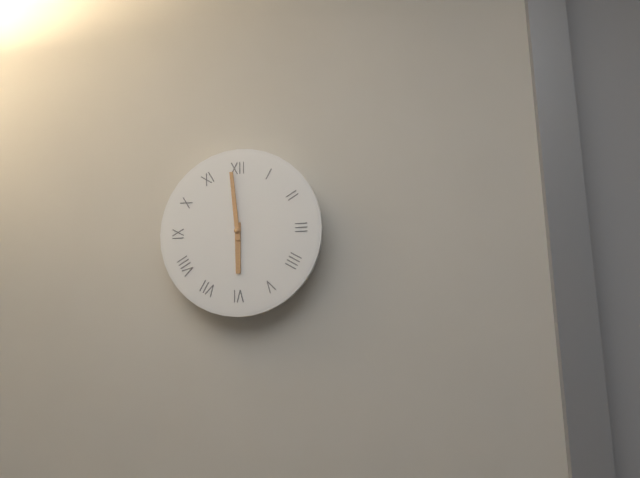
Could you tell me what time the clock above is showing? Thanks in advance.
5:59
